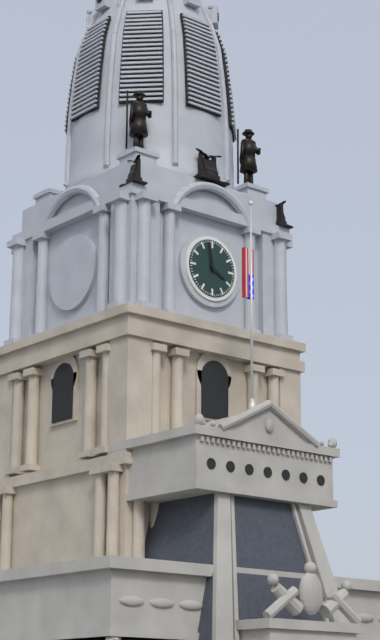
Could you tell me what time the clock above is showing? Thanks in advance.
3:58
